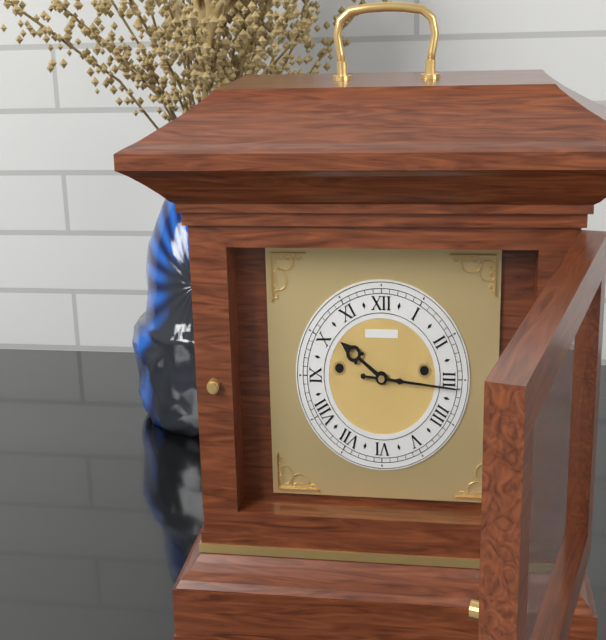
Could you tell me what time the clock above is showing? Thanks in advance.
10:16
